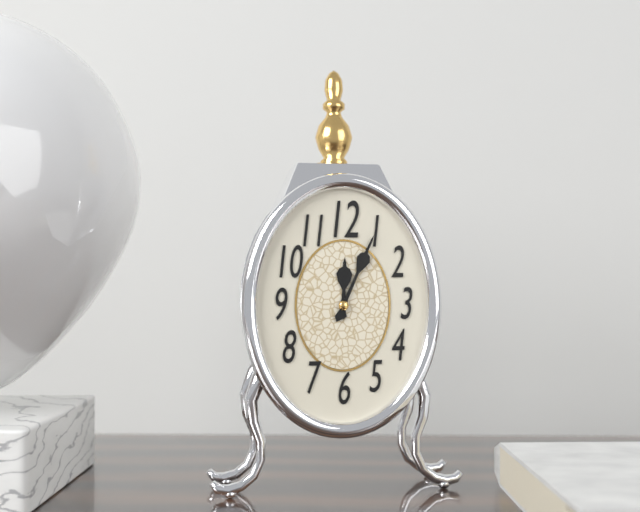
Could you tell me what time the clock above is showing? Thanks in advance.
12:04
